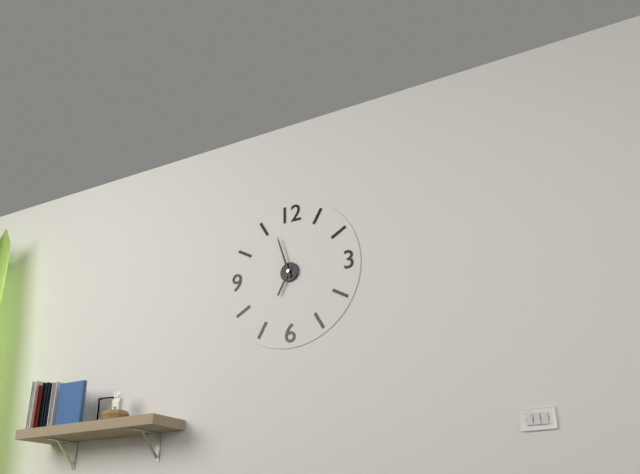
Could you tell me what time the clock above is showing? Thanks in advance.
6:57
